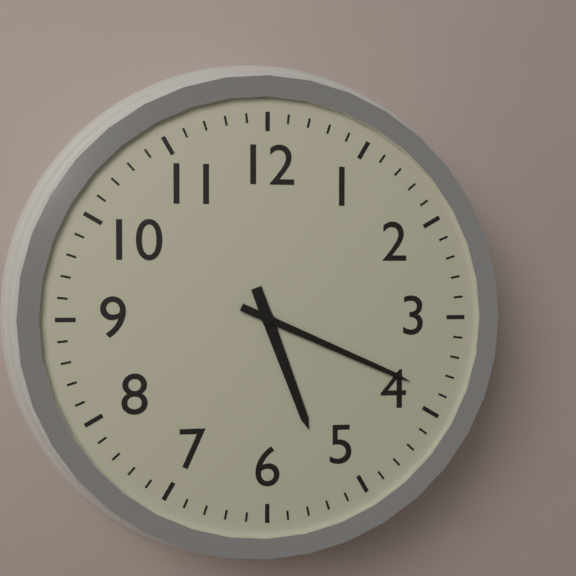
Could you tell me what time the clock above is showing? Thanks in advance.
5:19
